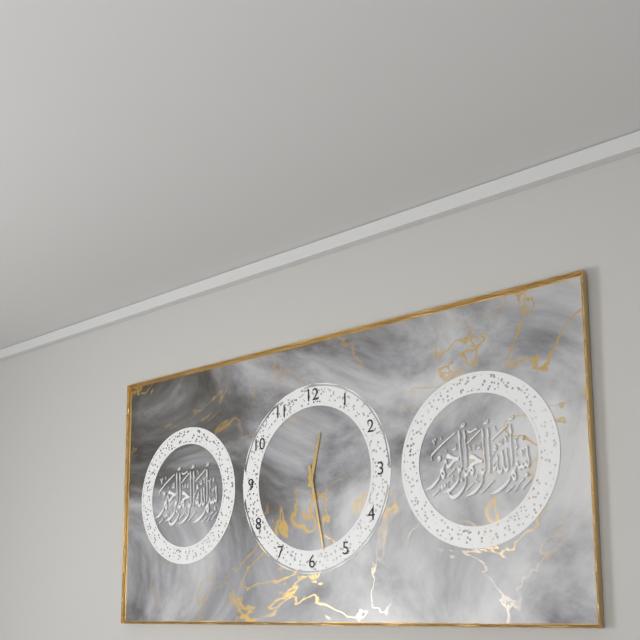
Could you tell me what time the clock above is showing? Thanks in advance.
12:28
